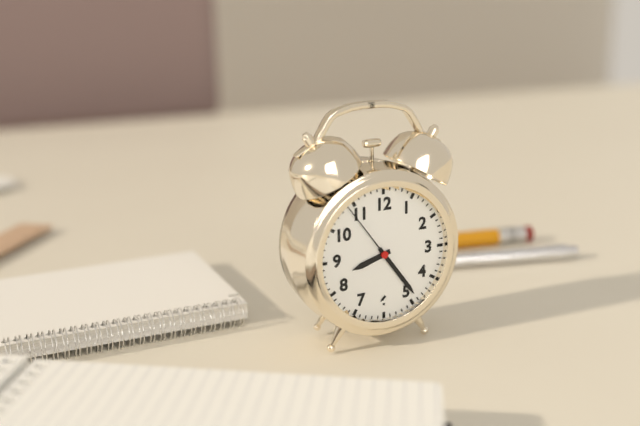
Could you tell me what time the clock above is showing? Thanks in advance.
8:24:54
